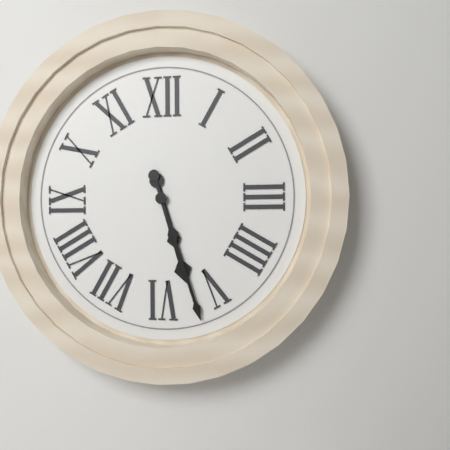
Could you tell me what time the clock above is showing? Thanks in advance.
5:27
